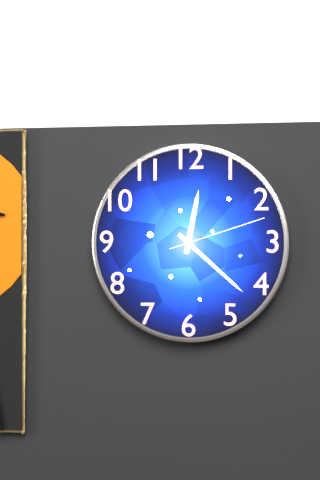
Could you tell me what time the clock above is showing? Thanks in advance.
12:22:12
